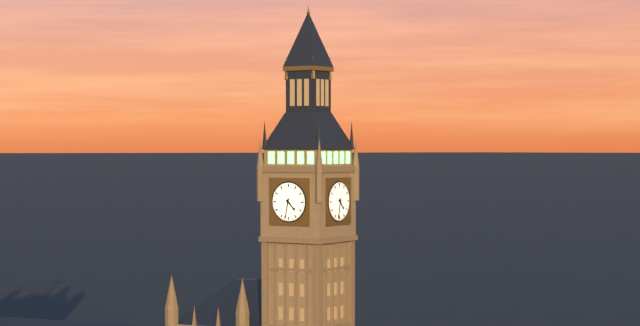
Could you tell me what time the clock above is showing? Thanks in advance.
4:32
